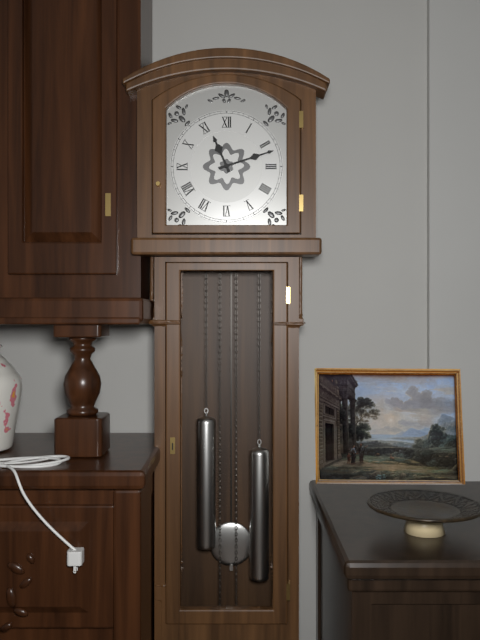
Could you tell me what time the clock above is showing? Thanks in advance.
11:12
